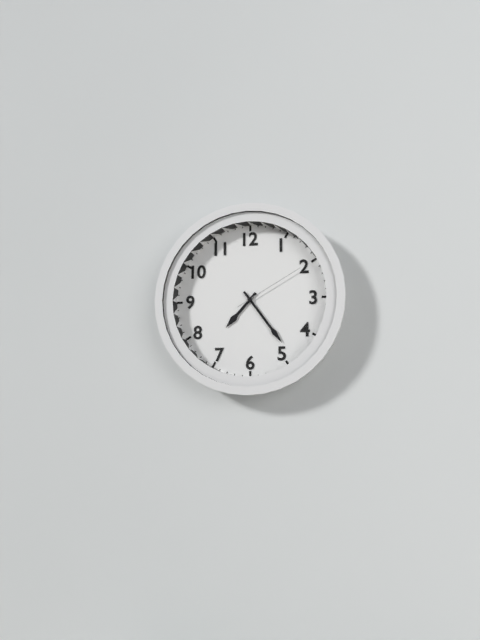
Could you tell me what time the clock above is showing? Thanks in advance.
7:24:10
